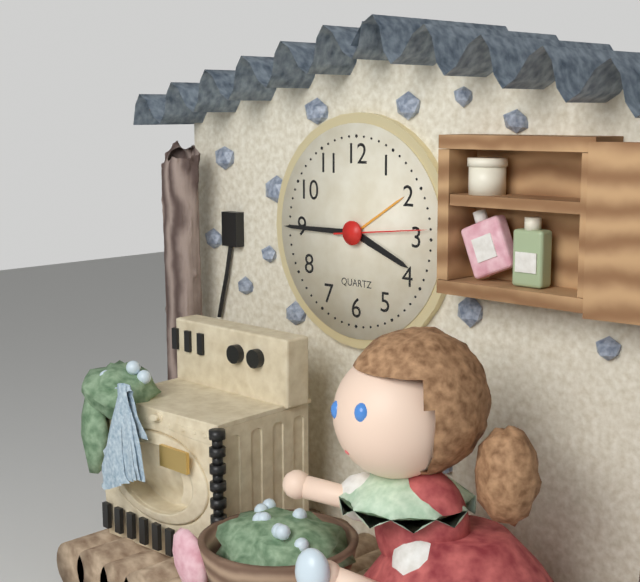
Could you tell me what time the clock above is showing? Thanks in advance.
3:45:14
